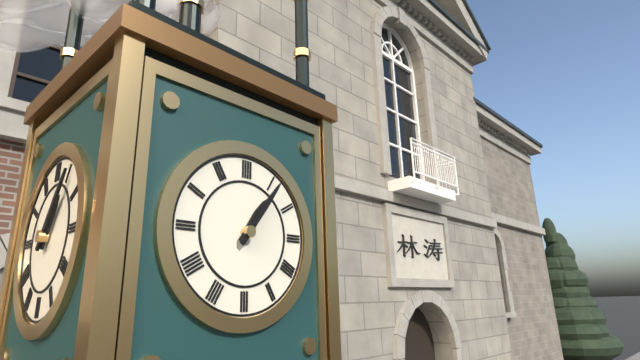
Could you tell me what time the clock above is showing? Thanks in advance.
1:06
